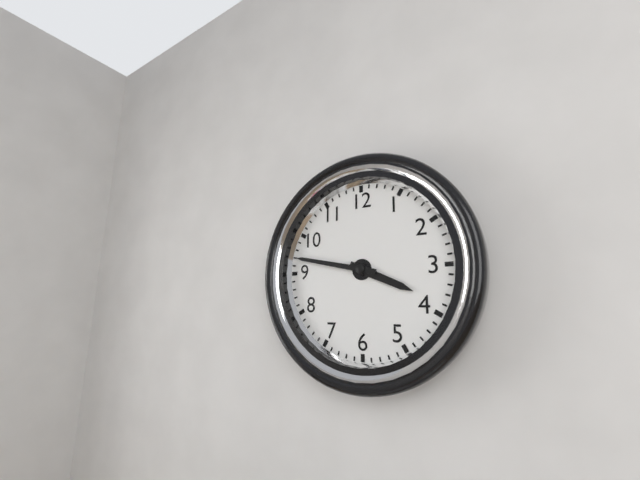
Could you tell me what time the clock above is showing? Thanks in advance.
3:47
